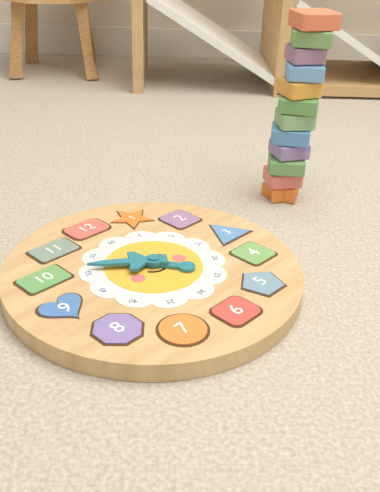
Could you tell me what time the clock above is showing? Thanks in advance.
4:51
